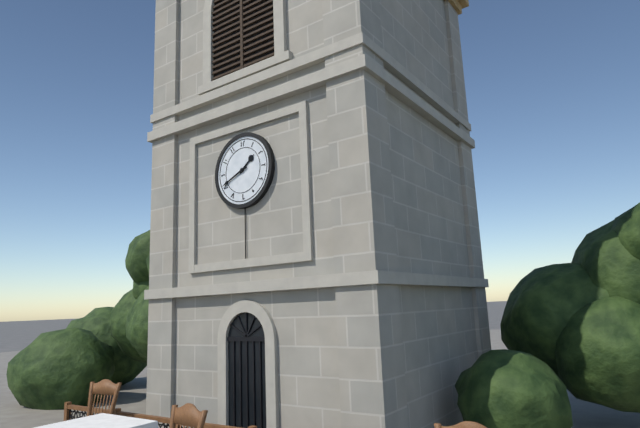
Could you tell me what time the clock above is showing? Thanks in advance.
1:41
